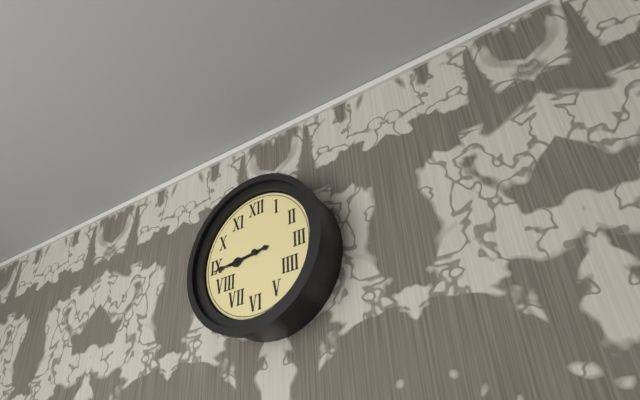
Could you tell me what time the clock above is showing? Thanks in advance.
8:44
